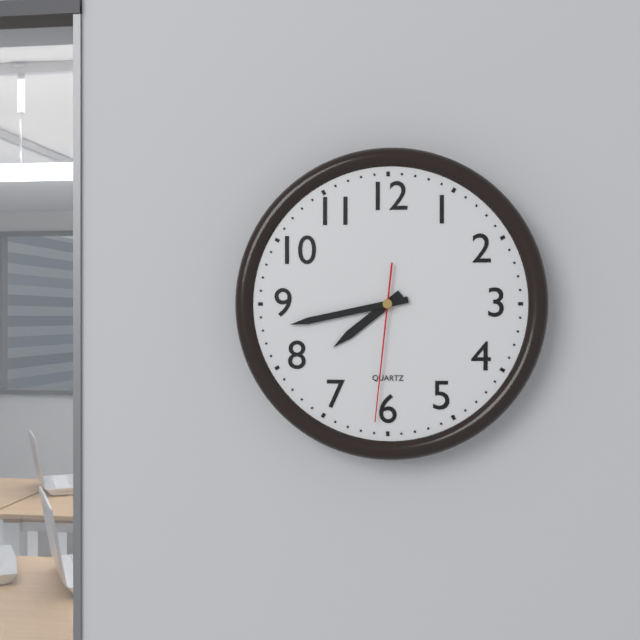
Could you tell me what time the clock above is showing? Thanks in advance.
7:43:31
